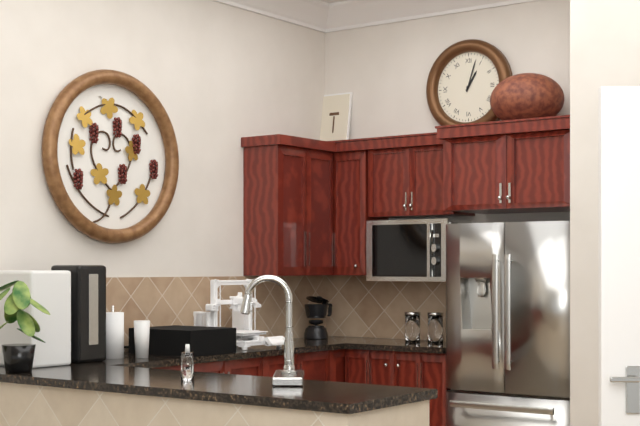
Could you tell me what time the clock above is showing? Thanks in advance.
1:03
